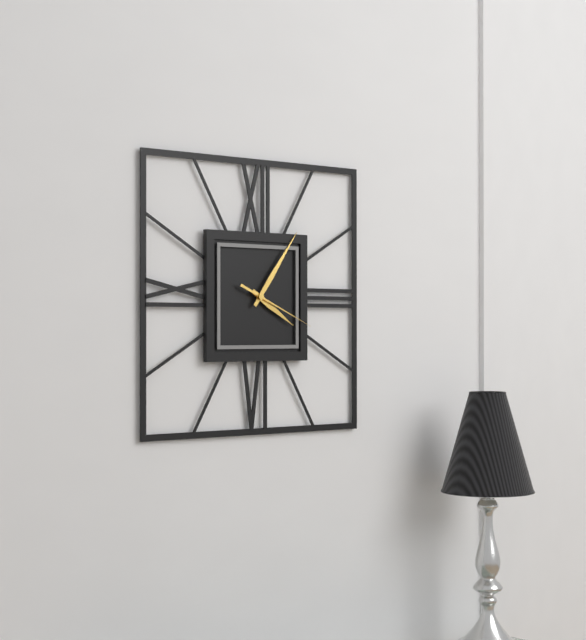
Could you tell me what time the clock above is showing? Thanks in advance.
4:06:19
